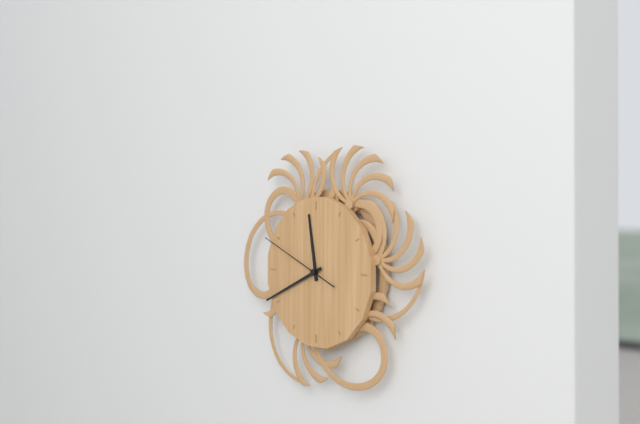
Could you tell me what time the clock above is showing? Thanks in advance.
11:41:49
